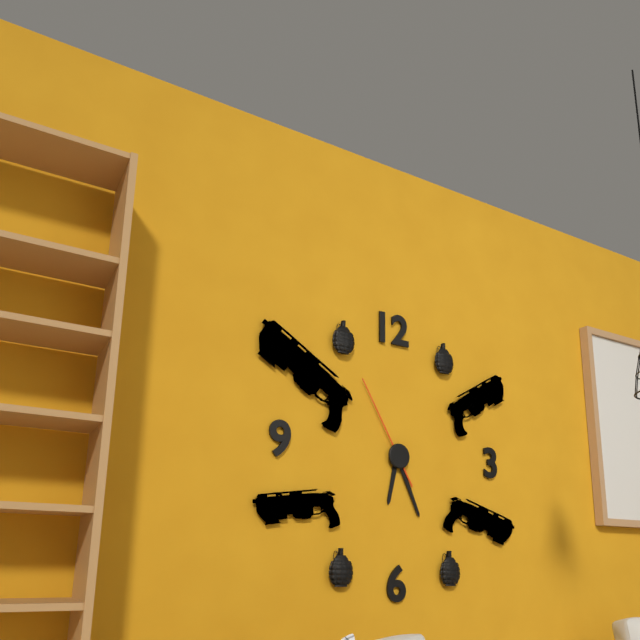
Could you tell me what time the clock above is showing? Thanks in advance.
6:26:55
